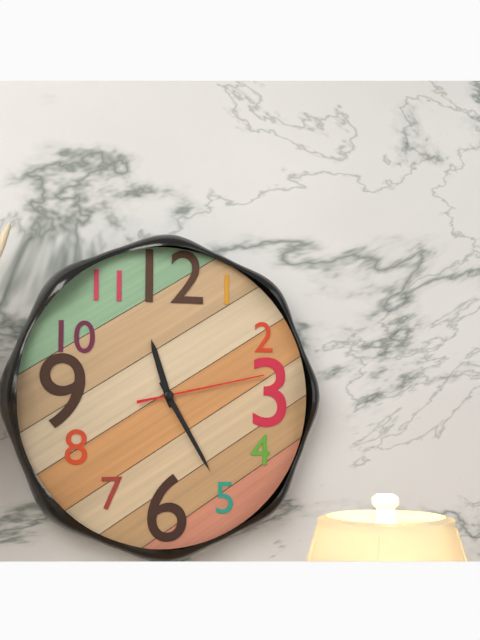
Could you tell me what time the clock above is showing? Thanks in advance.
11:25:13
